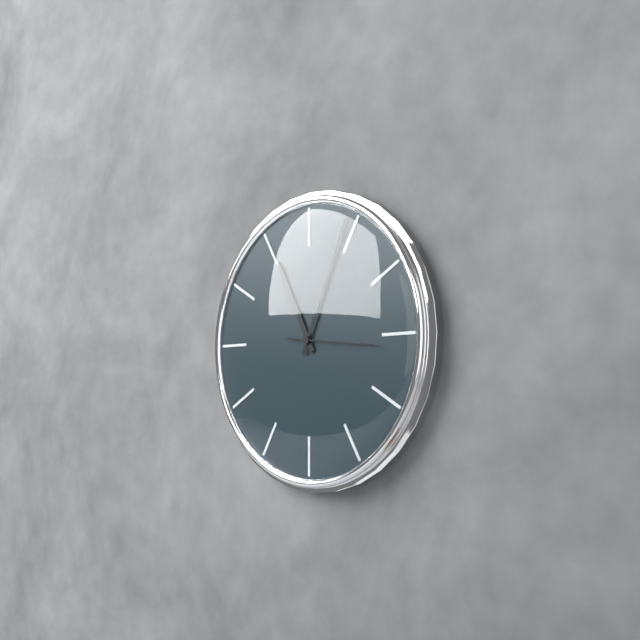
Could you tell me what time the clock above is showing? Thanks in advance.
11:04:16
